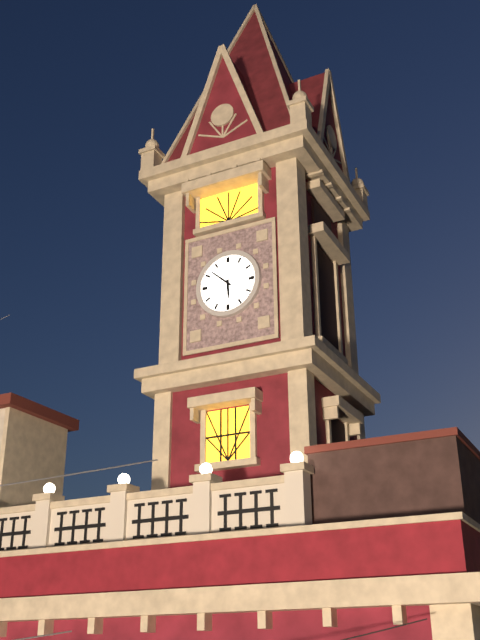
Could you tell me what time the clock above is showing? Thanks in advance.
5:52
